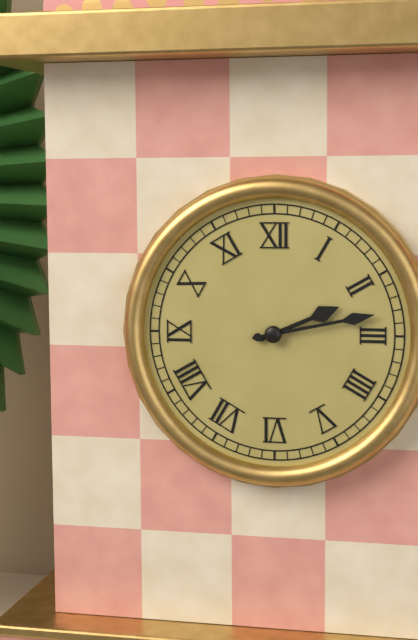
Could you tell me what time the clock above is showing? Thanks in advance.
2:13
